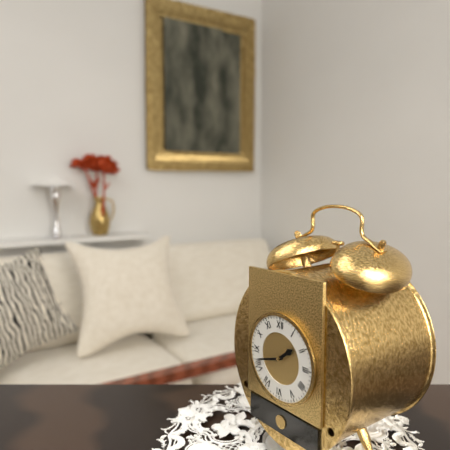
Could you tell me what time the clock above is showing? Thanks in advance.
1:42
